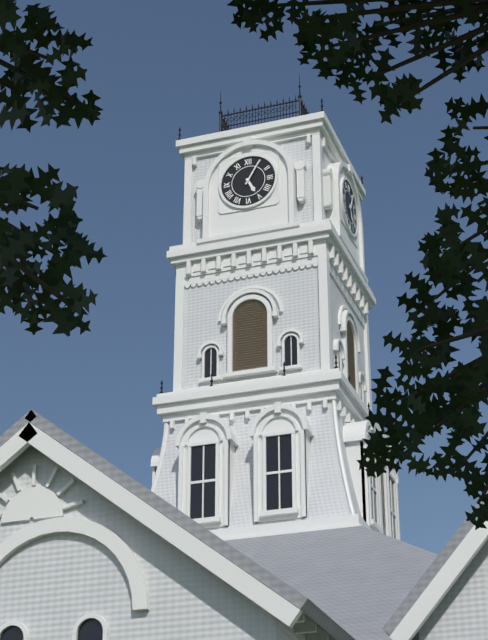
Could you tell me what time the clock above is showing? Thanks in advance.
5:05
